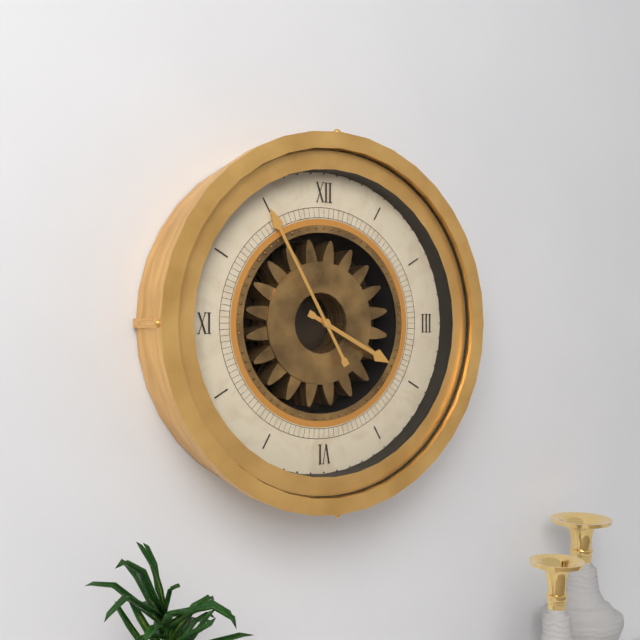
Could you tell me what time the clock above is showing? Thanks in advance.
3:55
